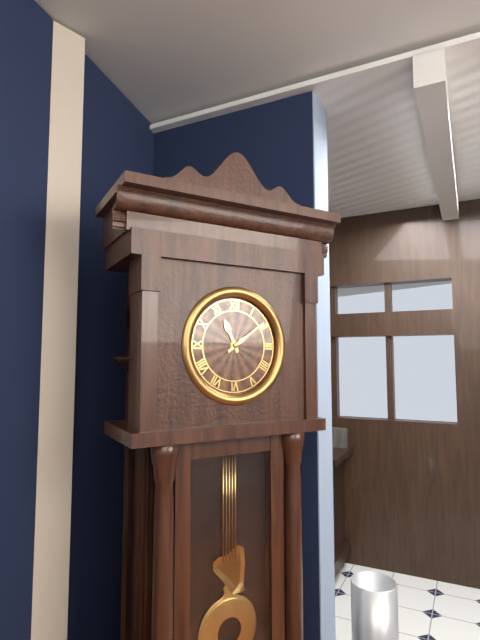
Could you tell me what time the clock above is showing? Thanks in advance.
11:09
